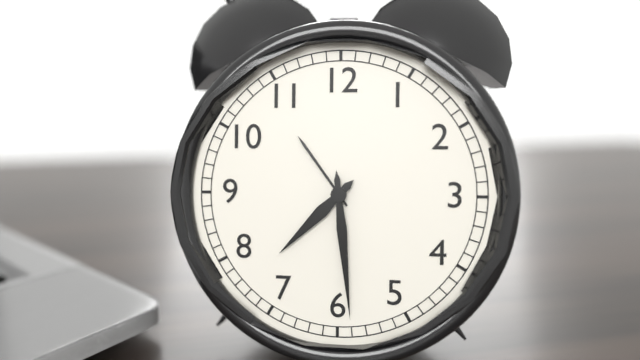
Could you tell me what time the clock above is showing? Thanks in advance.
7:29
